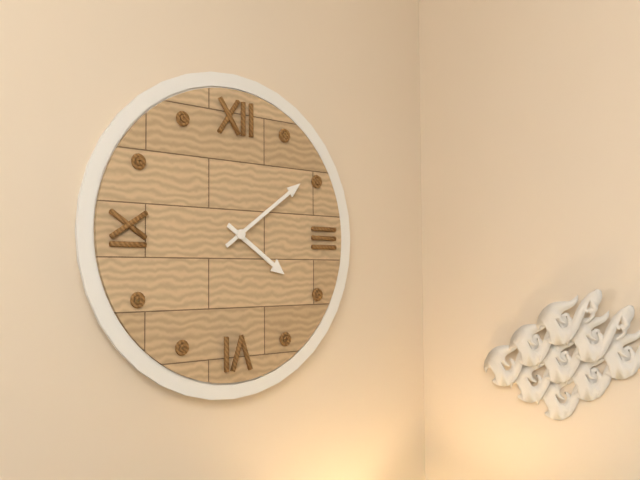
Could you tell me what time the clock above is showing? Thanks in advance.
4:09
